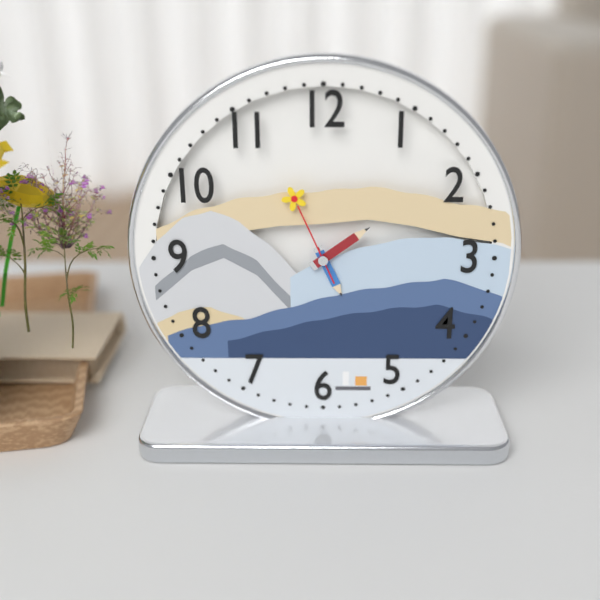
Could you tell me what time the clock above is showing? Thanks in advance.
5:09:56
